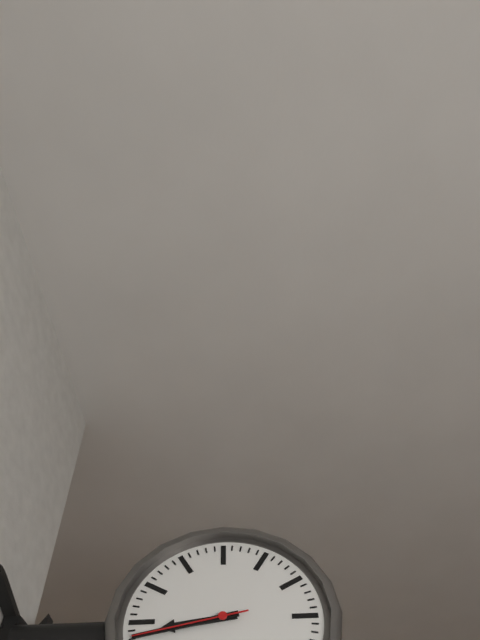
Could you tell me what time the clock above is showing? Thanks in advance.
8:43:43
